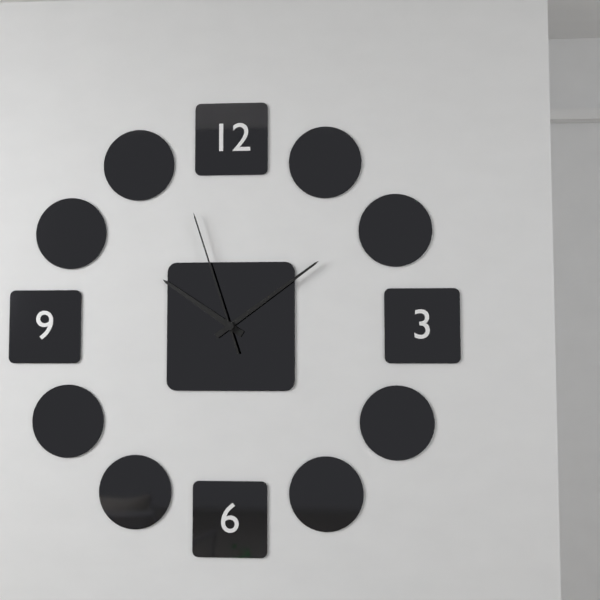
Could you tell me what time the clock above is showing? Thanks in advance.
10:09:57
